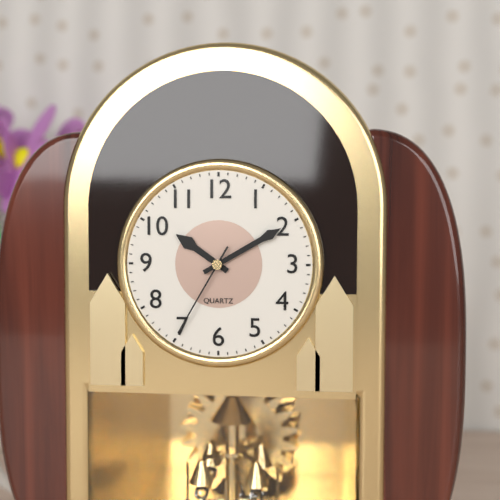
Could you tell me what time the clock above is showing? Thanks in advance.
10:10:35
